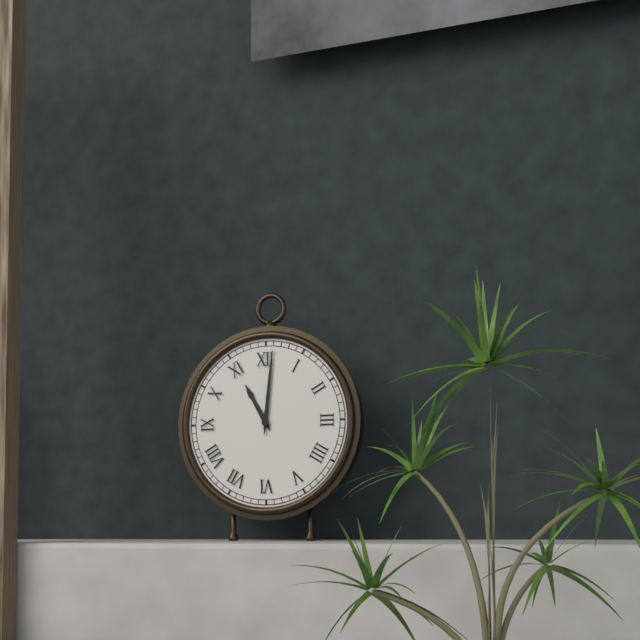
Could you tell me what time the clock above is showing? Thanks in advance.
11:01
